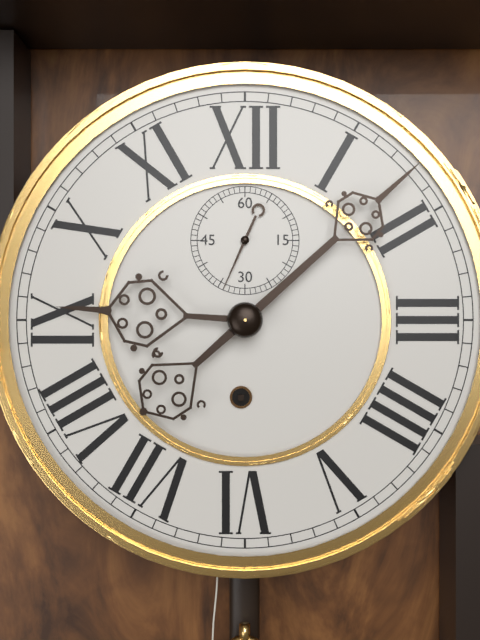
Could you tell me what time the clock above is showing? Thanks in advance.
9:08:34
